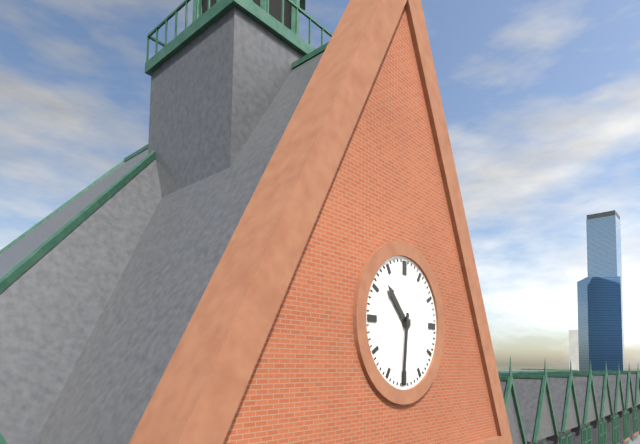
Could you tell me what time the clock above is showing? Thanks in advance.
10:31
